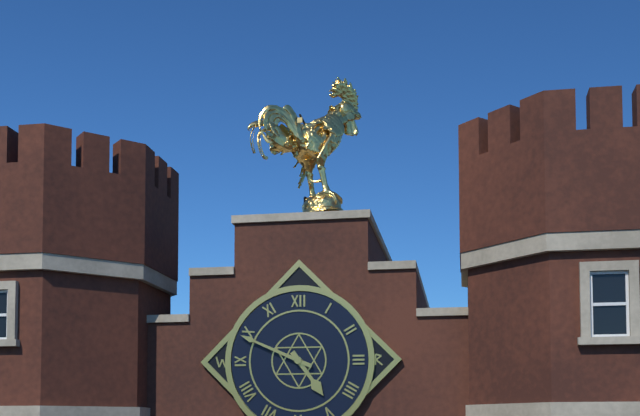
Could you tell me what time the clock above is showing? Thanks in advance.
4:49
